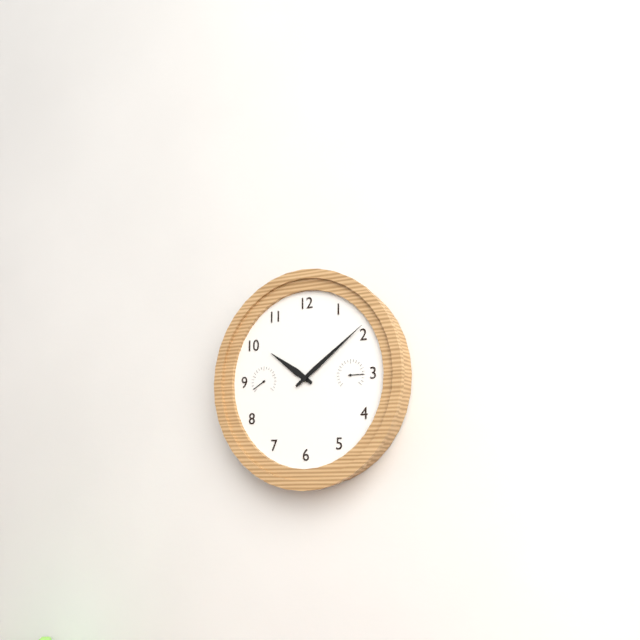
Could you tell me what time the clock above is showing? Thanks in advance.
10:09
